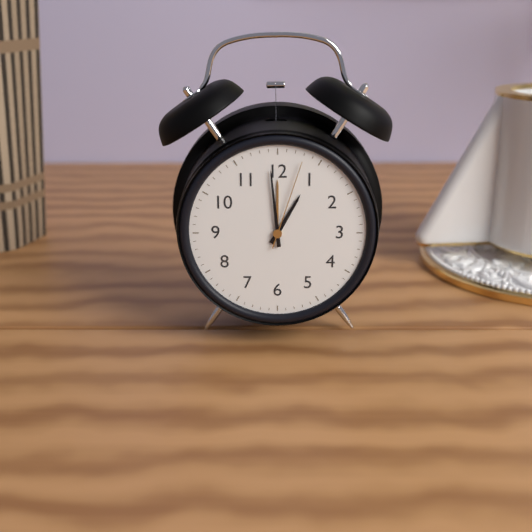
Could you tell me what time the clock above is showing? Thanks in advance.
12:59:03
